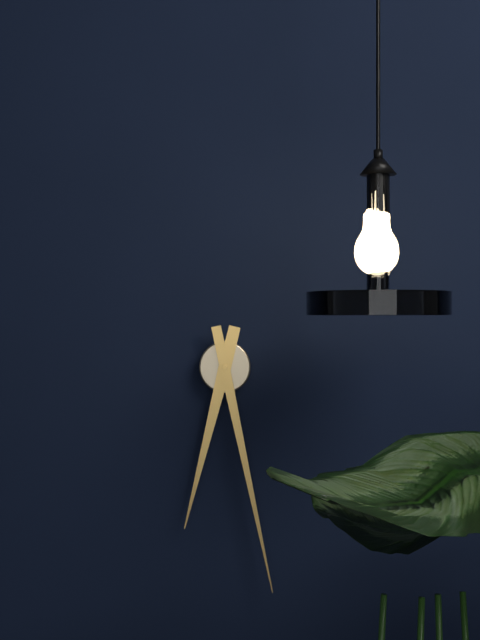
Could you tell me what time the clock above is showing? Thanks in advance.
6:28
